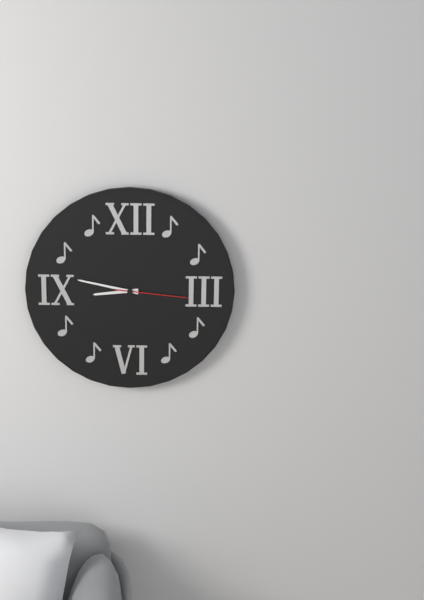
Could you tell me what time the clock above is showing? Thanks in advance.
8:47:16
